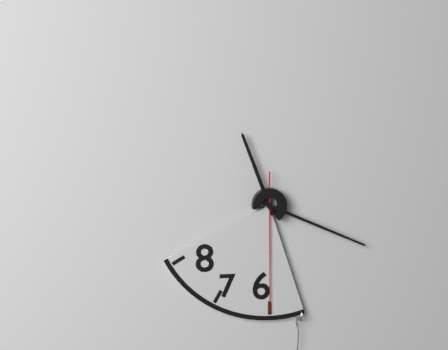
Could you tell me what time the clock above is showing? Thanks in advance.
11:19:30
